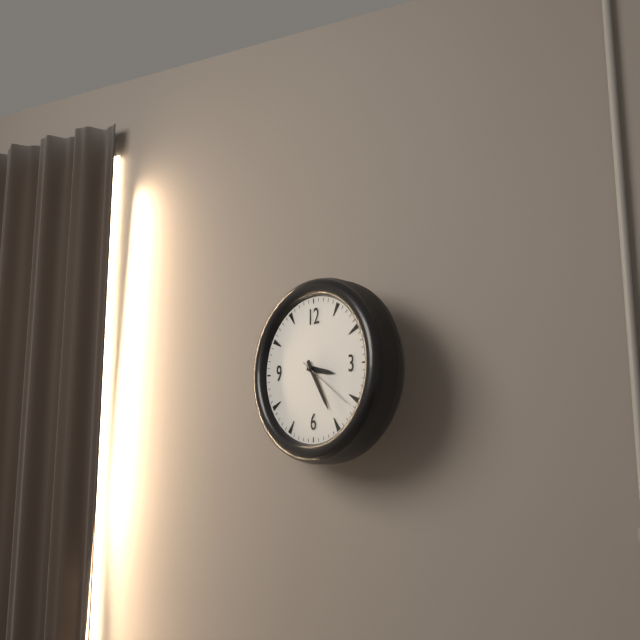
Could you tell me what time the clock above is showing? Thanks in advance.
3:25:21
